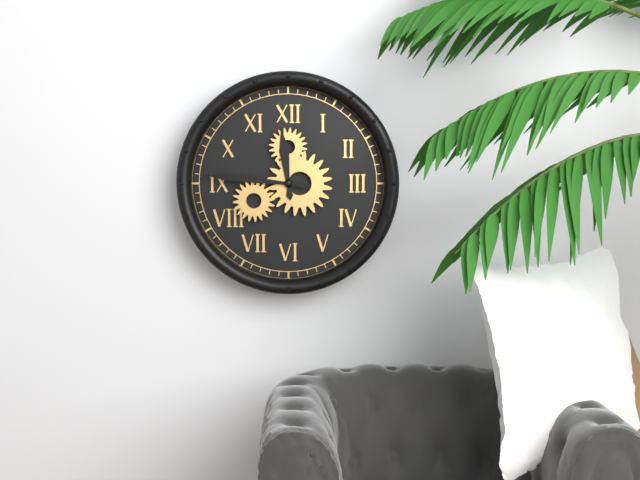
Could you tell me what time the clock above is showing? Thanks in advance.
11:46
